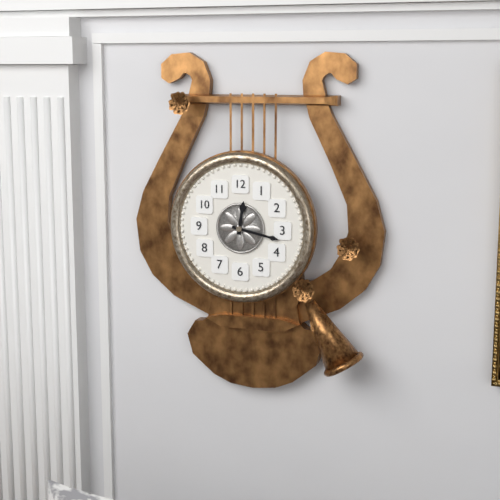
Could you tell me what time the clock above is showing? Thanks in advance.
12:17
